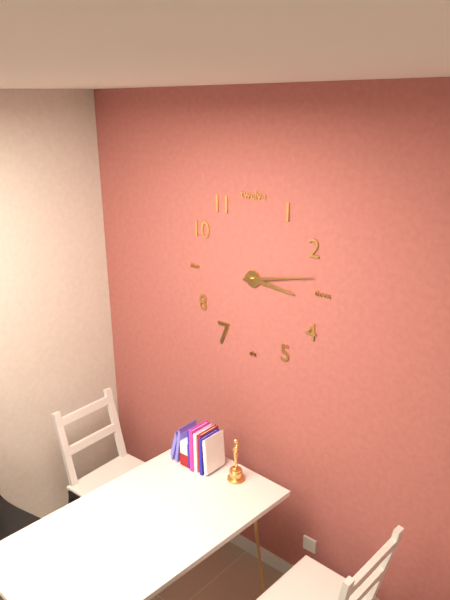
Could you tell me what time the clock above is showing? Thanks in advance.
3:13
